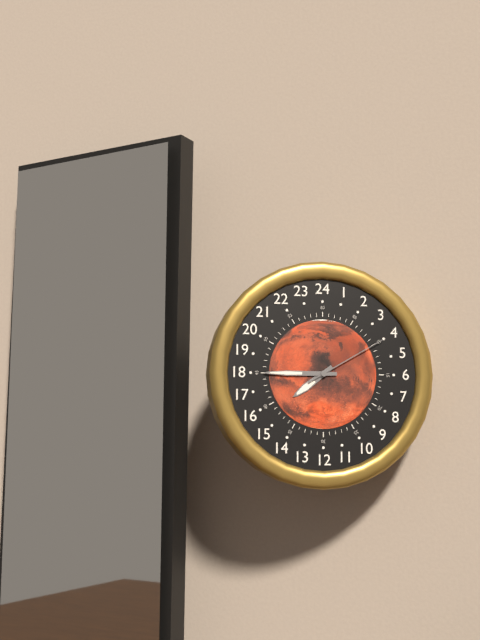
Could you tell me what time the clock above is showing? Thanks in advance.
7:45:10
